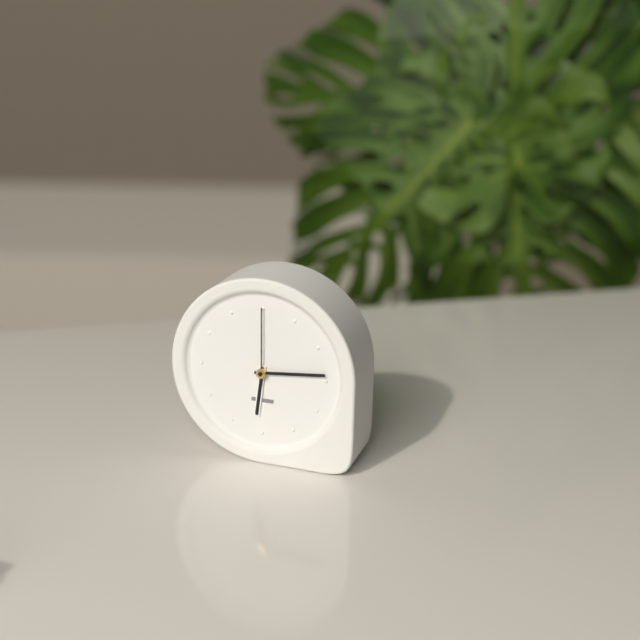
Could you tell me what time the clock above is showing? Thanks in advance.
6:14:00
